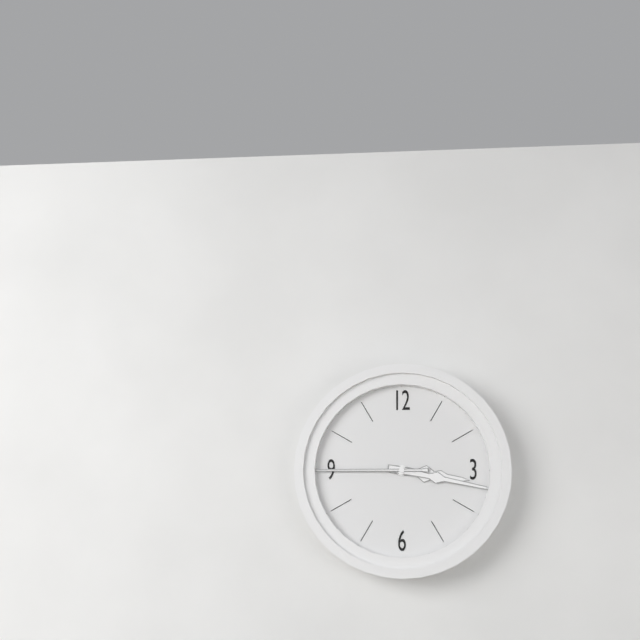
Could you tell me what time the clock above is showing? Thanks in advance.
3:17:45
